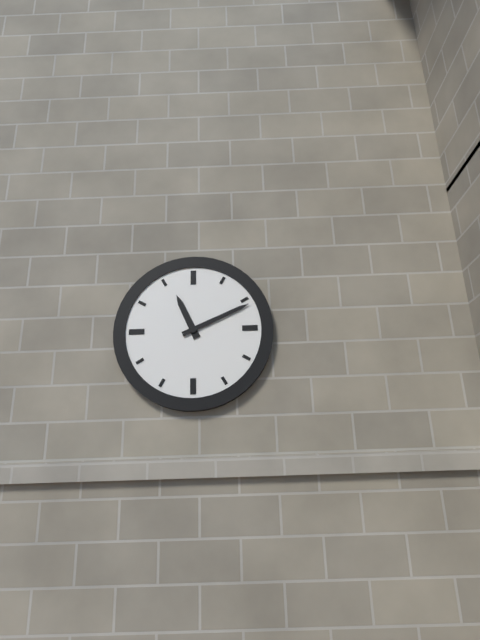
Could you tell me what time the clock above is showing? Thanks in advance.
11:11
